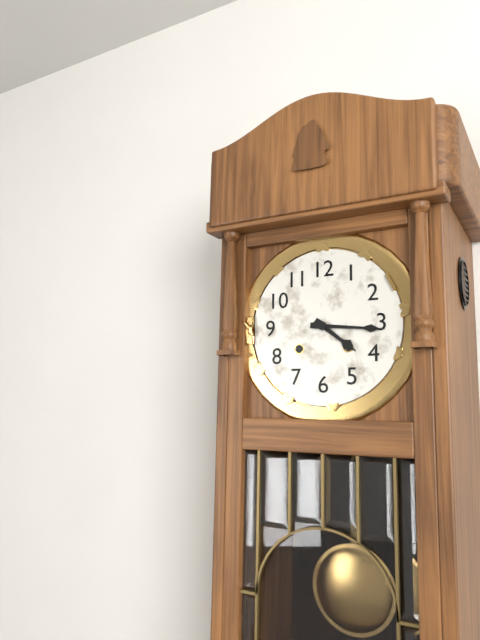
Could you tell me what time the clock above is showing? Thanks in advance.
4:16
